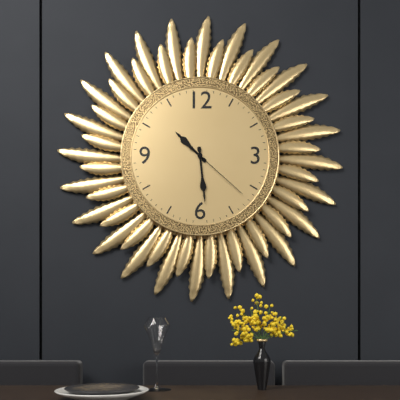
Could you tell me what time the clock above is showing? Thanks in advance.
10:29:22
